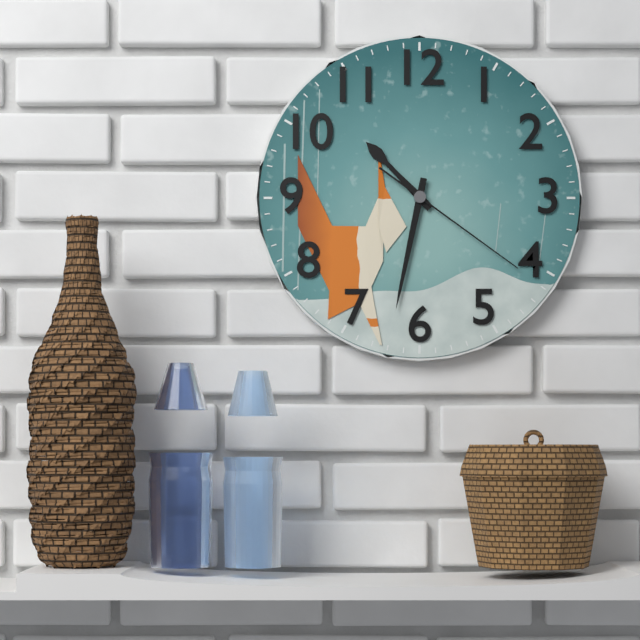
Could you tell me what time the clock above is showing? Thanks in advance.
10:32:21
